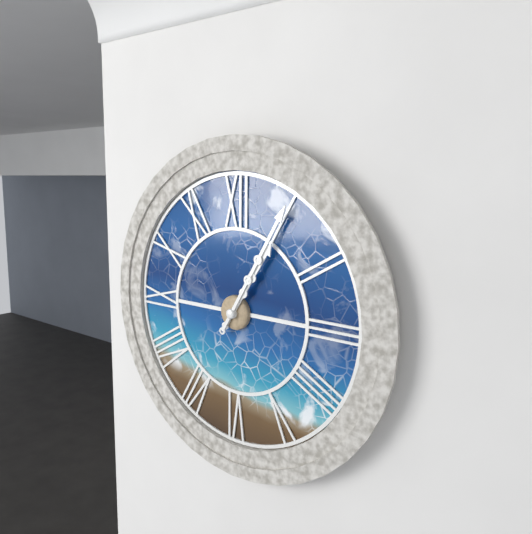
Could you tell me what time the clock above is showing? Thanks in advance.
1:05
